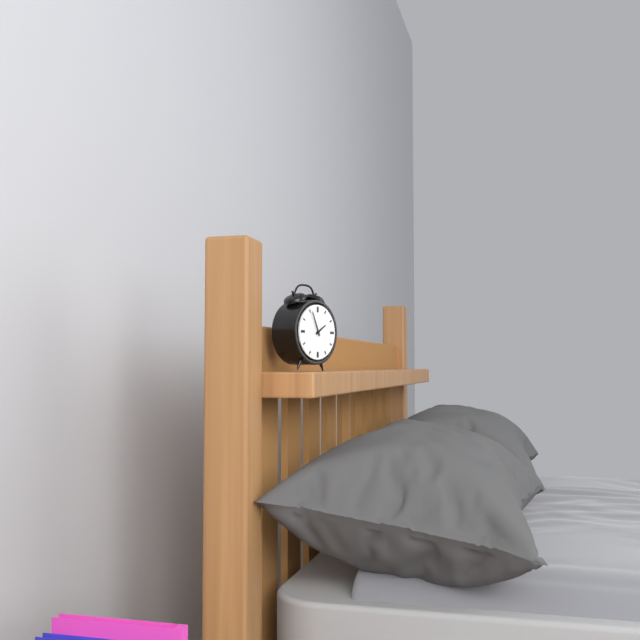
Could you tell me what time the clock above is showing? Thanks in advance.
1:56
